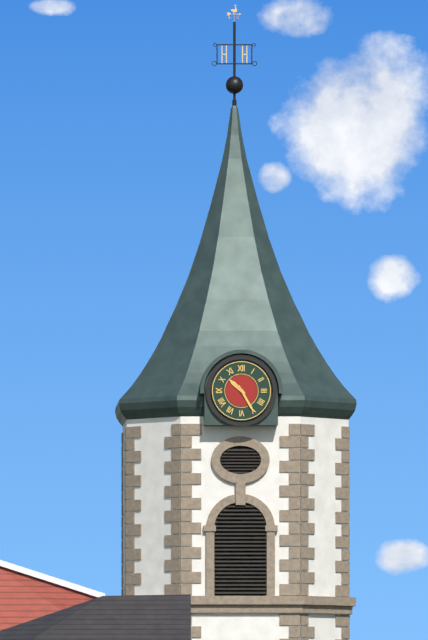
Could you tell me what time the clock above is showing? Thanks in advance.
10:25
